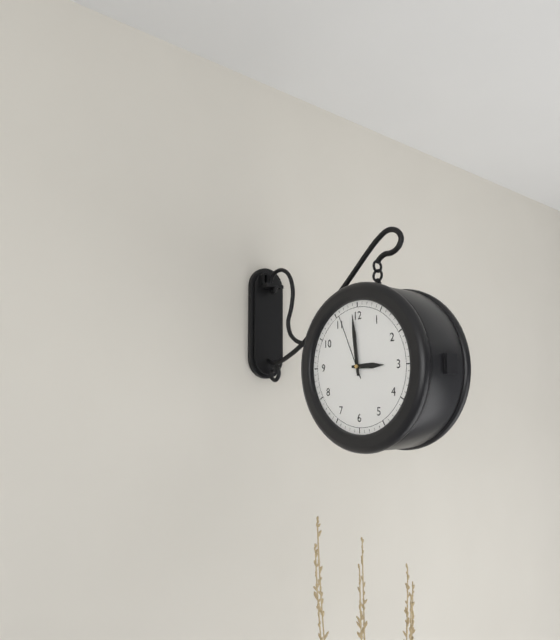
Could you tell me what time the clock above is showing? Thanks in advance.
2:59:56
